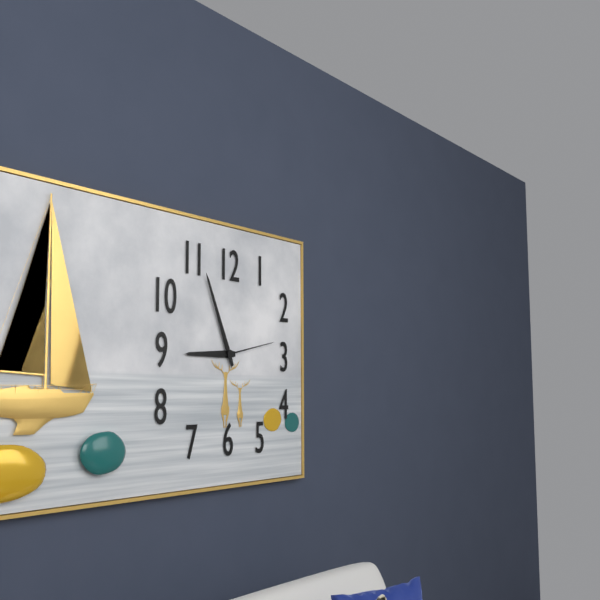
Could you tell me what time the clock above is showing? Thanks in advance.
8:56:13
